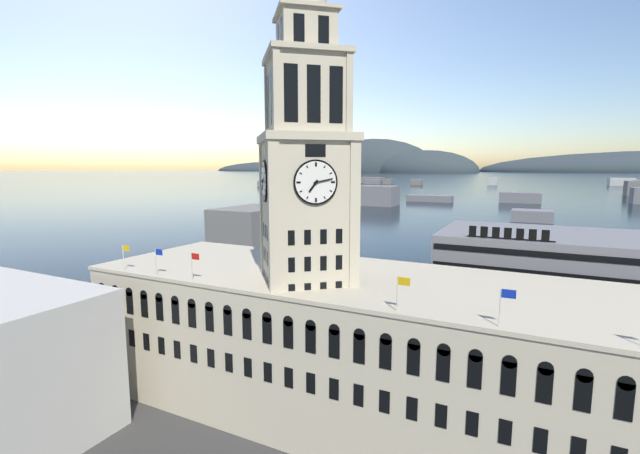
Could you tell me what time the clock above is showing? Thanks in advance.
7:13
